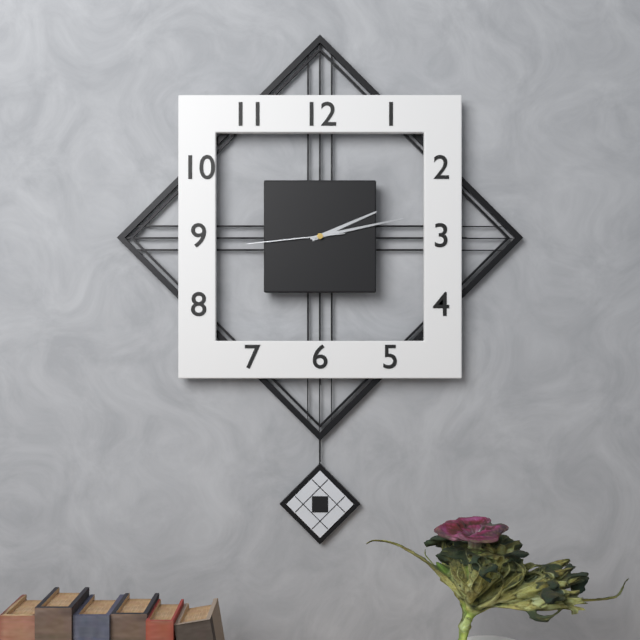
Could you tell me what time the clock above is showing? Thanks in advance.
2:13:44
